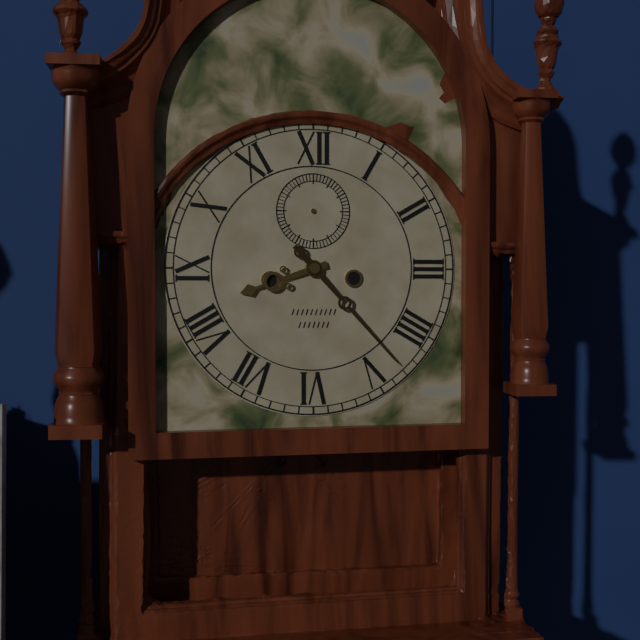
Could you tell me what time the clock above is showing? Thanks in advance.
8:23
